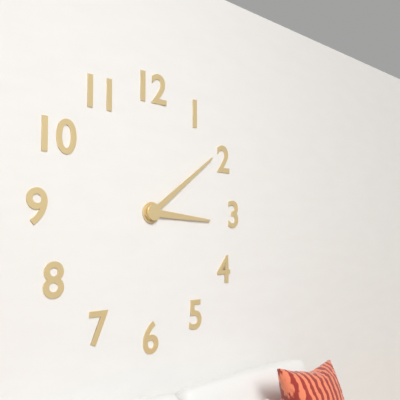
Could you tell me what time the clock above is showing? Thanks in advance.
3:09
